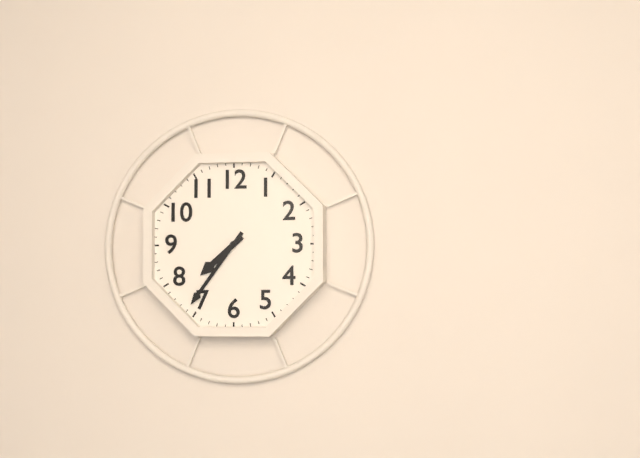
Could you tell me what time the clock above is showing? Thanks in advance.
7:36
